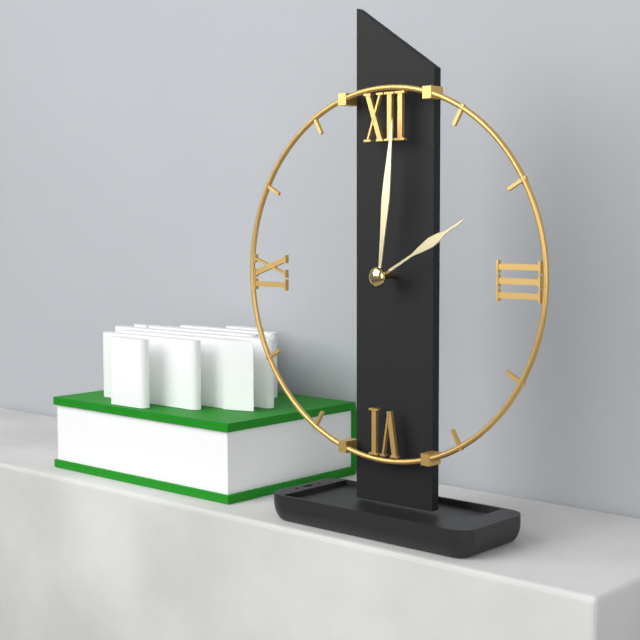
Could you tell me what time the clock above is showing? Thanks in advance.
2:01
